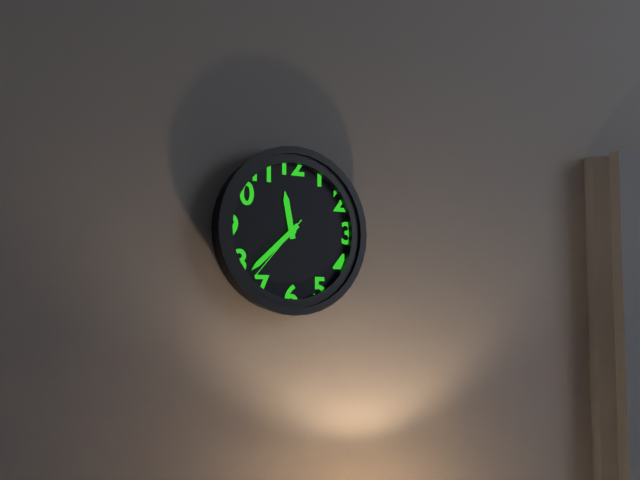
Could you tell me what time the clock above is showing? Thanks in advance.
11:38:37
